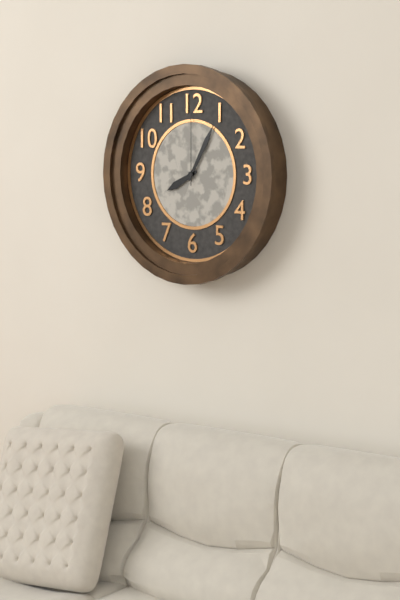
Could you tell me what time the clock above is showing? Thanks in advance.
8:05:00
